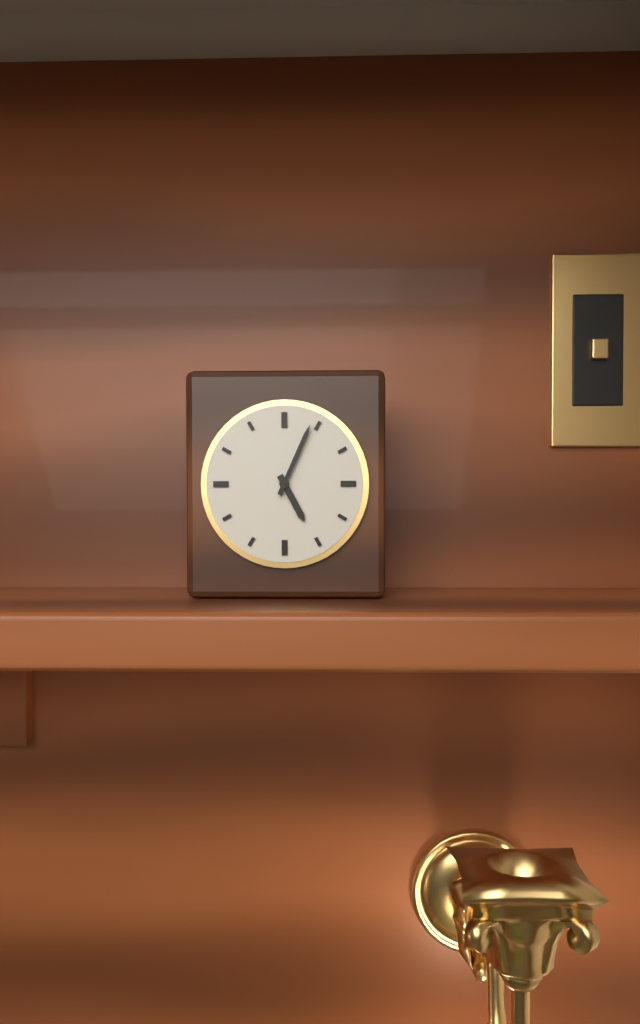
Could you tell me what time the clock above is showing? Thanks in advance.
5:04
